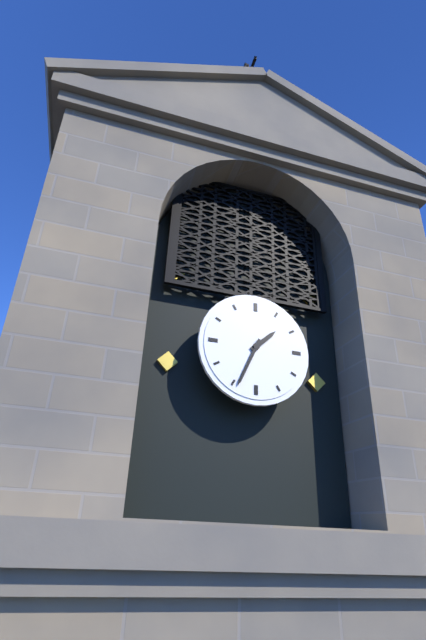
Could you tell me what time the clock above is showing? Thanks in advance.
1:34
